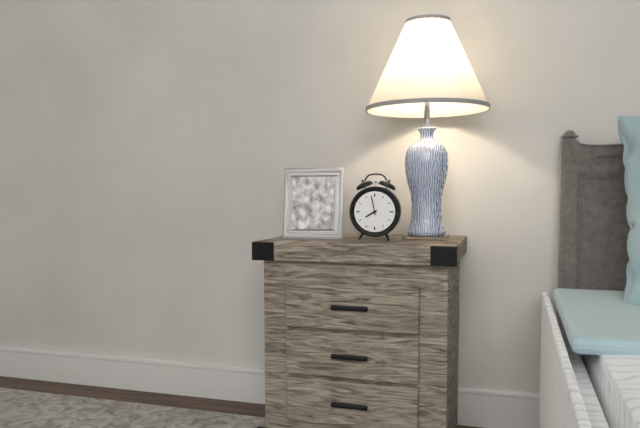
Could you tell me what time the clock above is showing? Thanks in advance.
7:58
